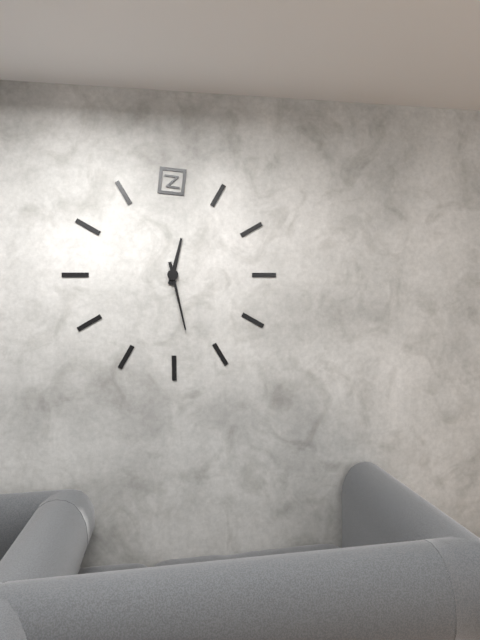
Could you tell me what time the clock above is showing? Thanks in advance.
12:28
